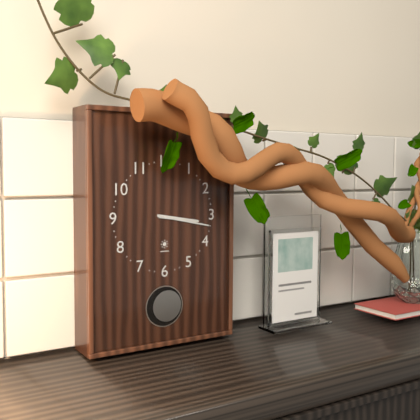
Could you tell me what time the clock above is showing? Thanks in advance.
3:17
